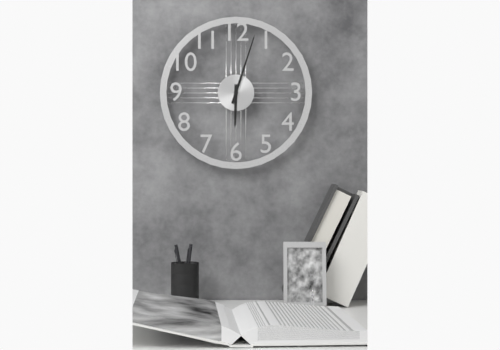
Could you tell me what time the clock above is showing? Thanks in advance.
6:03
